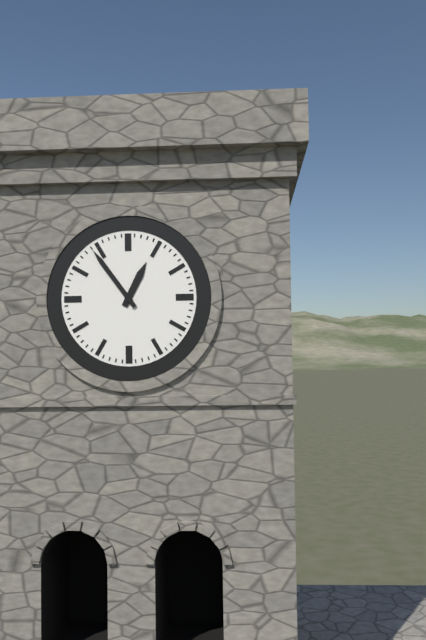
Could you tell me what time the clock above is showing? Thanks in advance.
12:54
